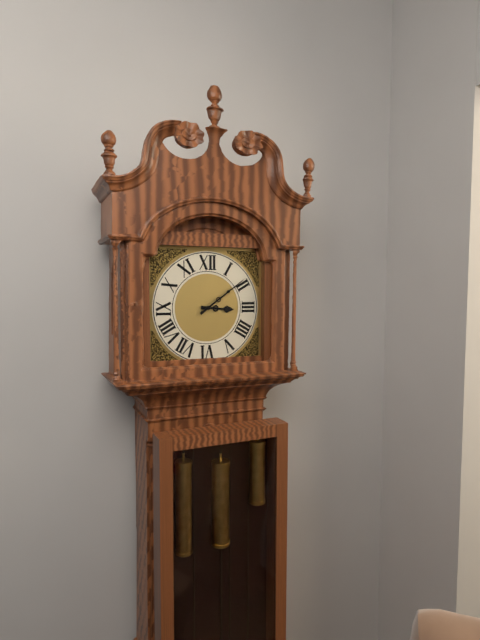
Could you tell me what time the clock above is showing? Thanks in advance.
3:09
